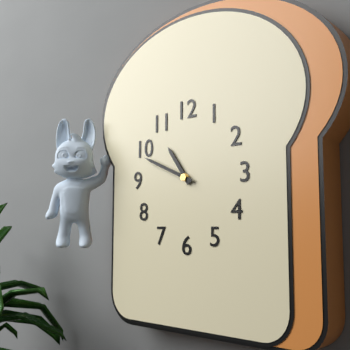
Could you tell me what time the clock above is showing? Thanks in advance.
10:49
